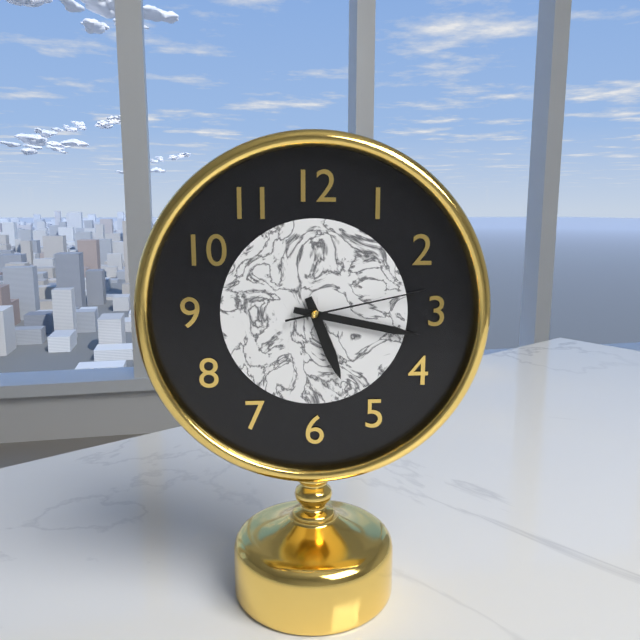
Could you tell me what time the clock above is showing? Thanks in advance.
5:17:13
